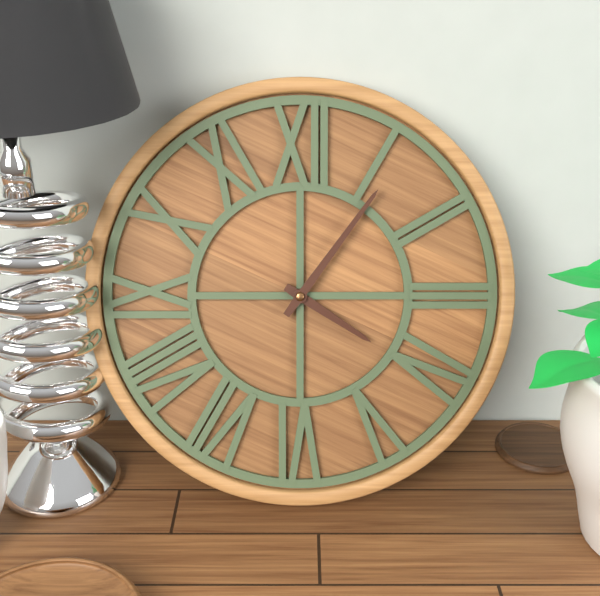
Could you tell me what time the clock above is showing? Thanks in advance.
4:06
